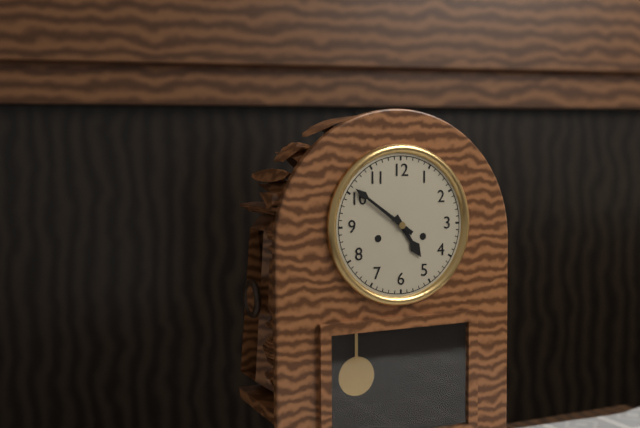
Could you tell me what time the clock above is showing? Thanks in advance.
4:51
